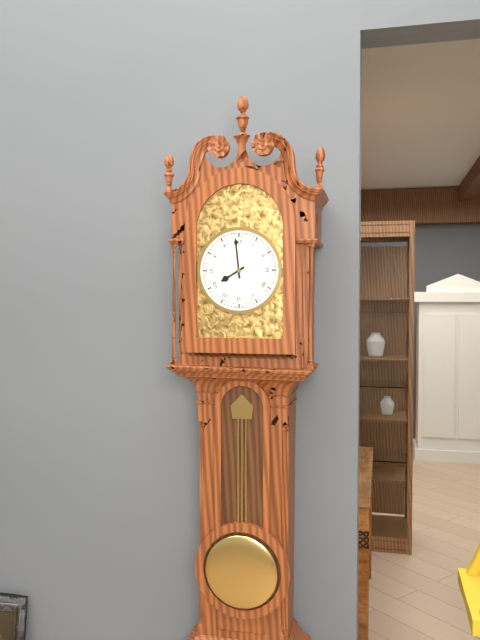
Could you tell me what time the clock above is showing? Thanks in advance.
7:59
